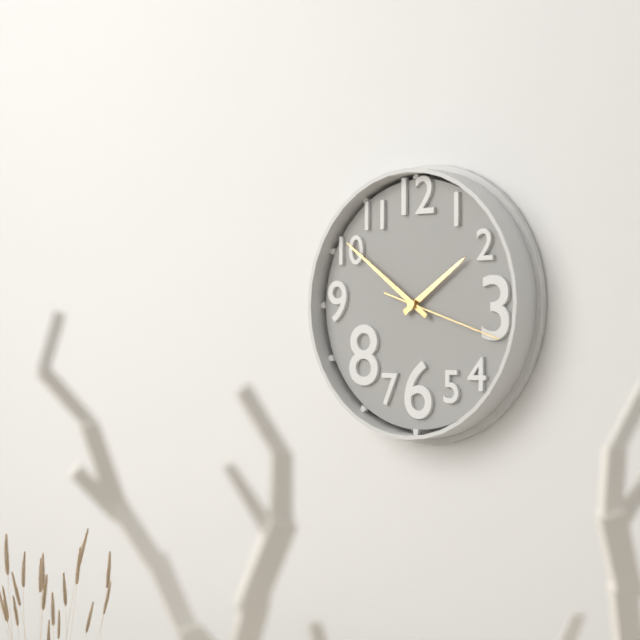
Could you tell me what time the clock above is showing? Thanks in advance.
1:51:18
